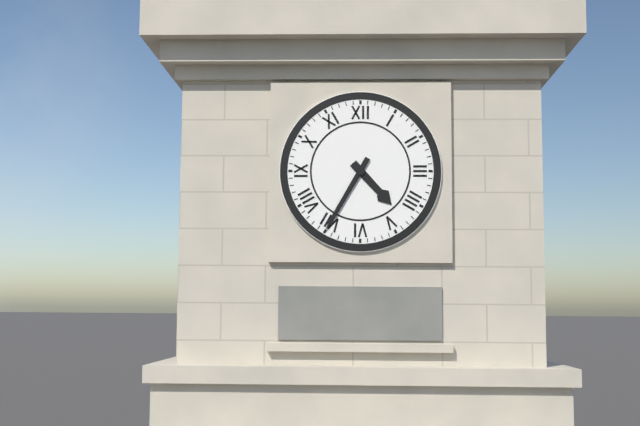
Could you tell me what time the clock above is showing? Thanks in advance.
4:35
